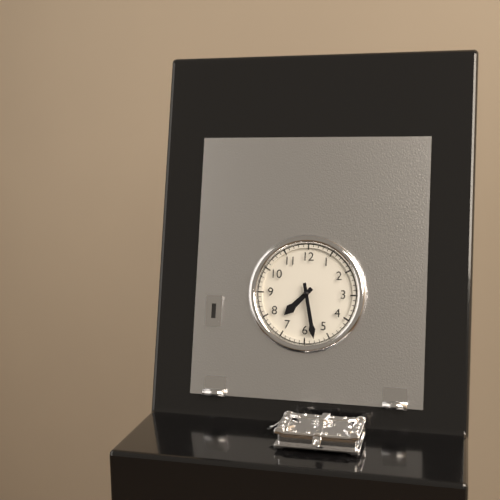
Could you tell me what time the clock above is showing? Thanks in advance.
7:28
